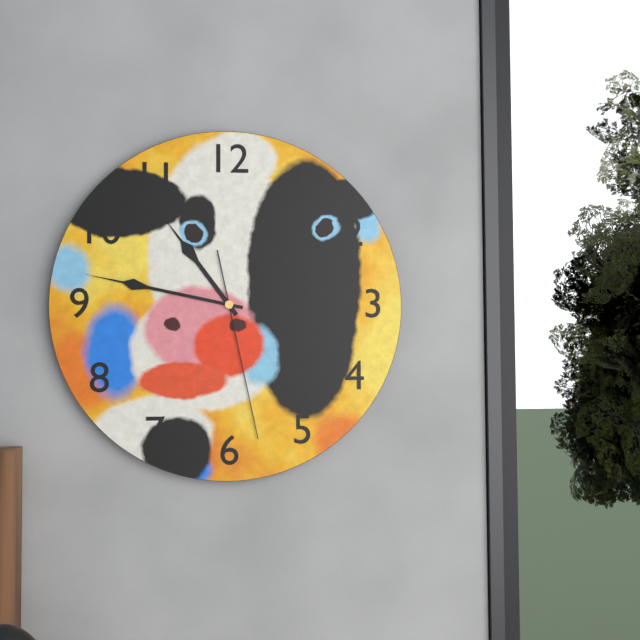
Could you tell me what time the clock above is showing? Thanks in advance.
10:47:28
